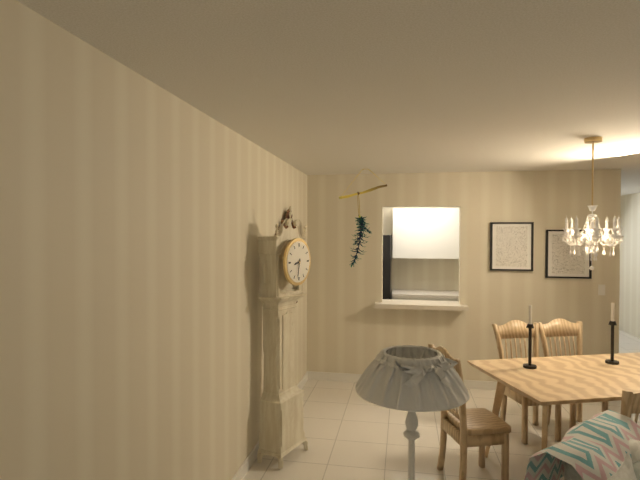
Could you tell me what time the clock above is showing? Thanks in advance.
8:32
